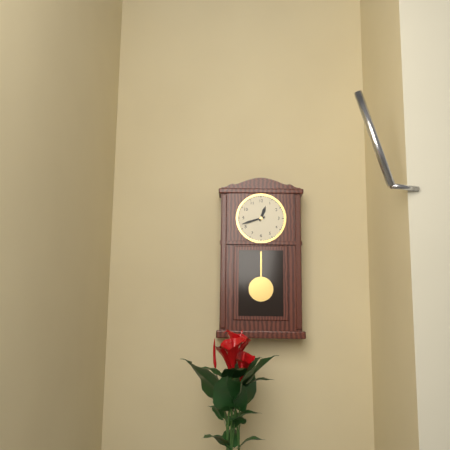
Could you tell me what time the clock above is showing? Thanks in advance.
12:42
